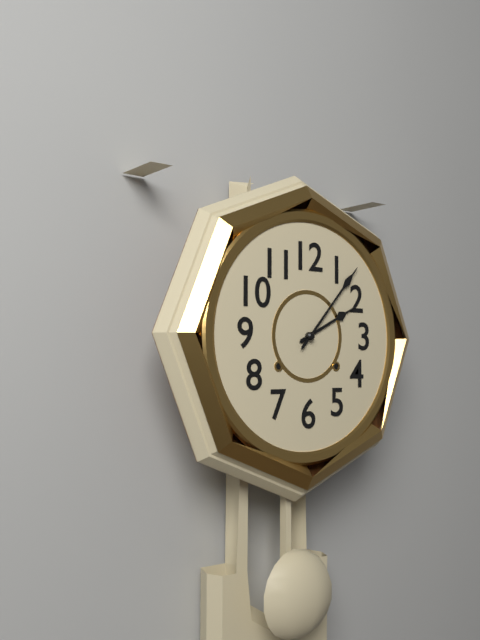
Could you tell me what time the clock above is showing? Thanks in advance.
2:07
